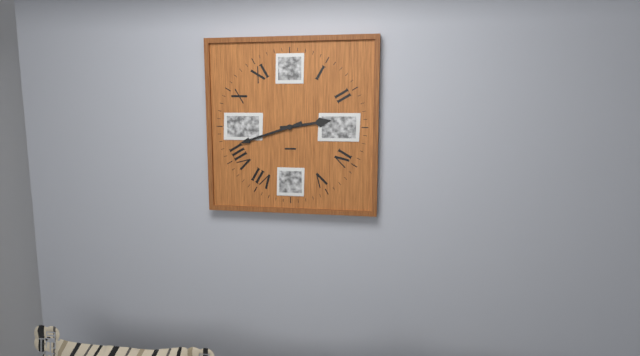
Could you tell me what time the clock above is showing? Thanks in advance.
2:42
